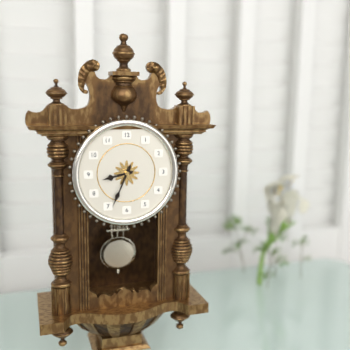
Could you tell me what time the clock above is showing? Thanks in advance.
8:34
